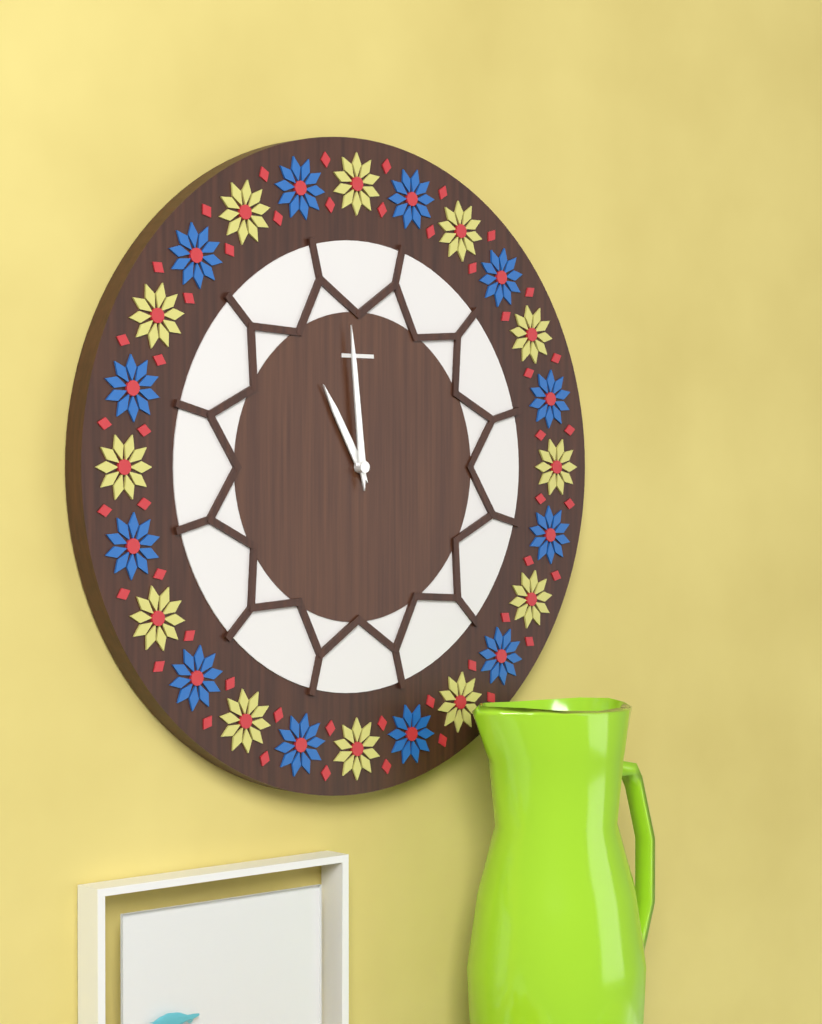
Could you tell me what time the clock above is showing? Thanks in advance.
10:59
